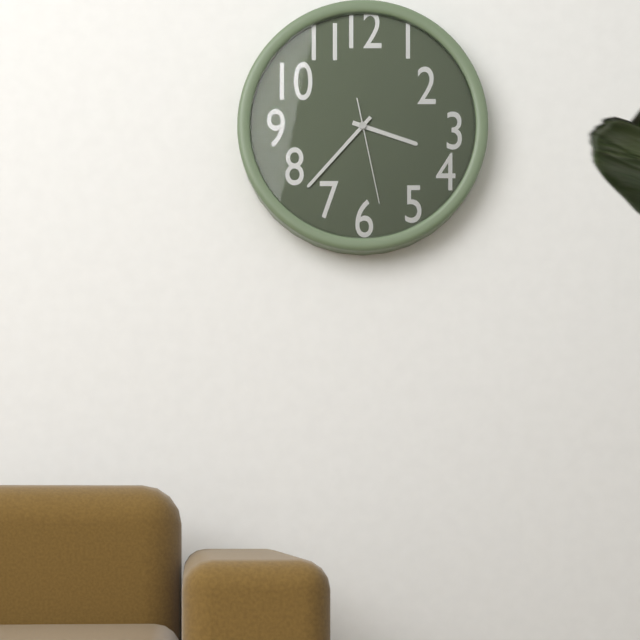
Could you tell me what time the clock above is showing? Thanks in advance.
3:37:28
